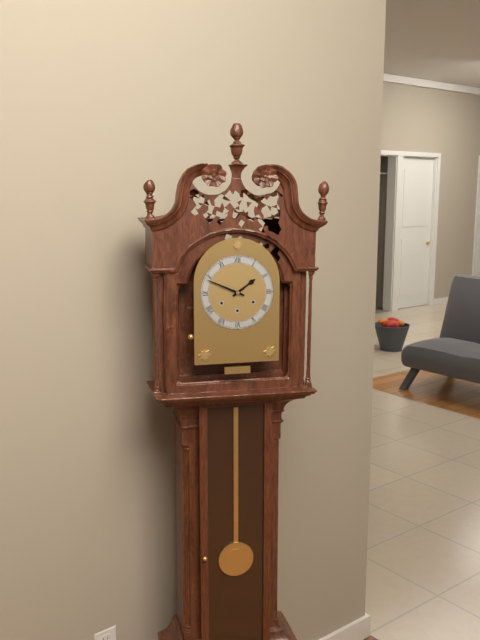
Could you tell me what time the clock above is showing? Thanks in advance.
1:49
